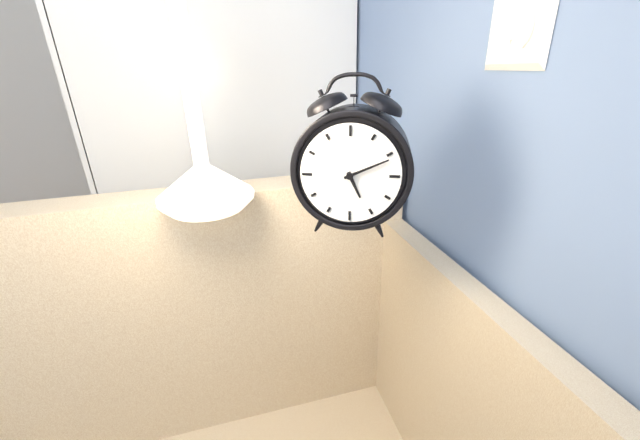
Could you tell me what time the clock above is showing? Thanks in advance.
5:11
